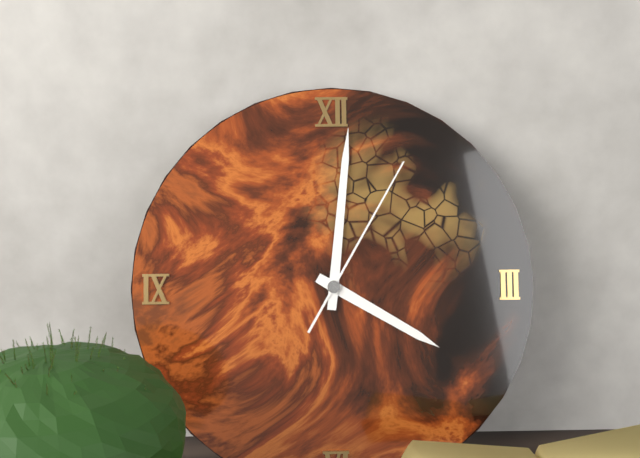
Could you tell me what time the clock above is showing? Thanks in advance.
4:01:05
